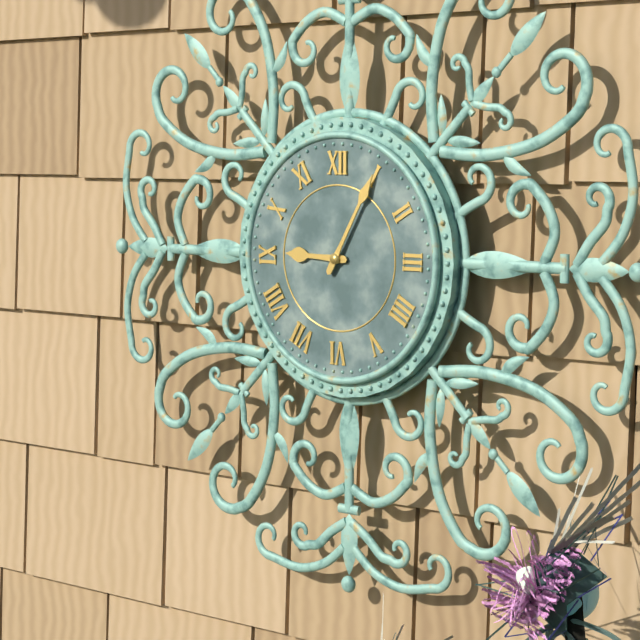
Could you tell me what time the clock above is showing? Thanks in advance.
9:05
